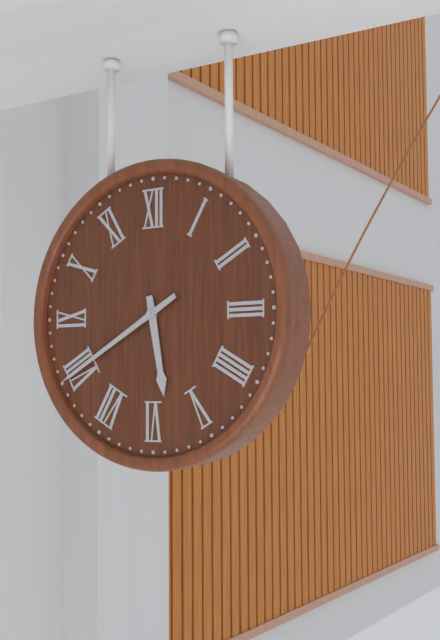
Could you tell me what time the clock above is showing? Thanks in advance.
5:40
